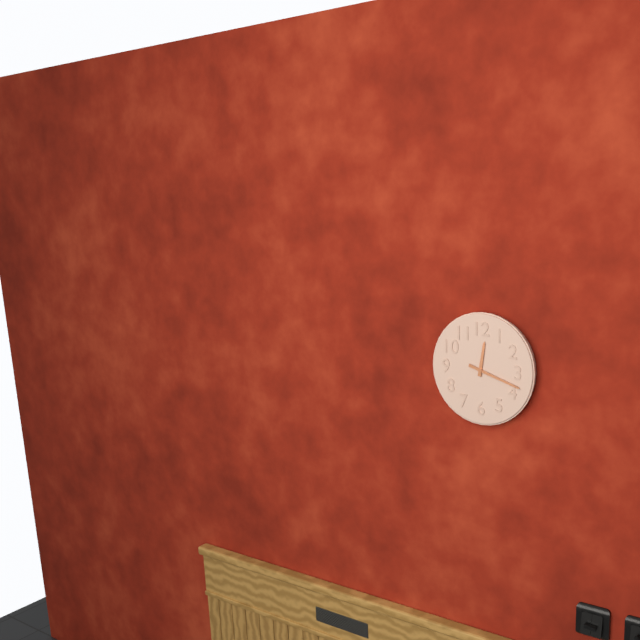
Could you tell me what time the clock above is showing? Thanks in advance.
12:18
